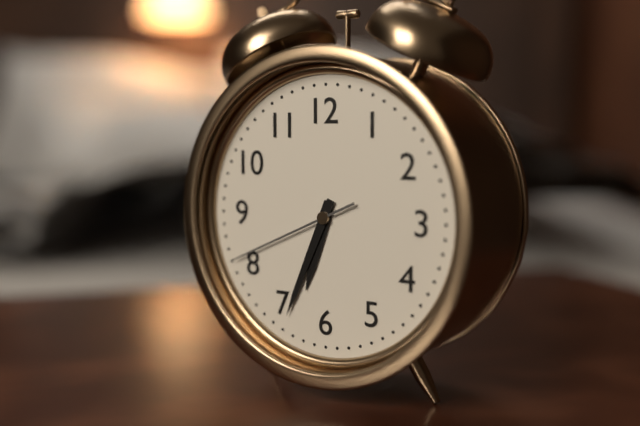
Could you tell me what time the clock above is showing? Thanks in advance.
6:34:41
